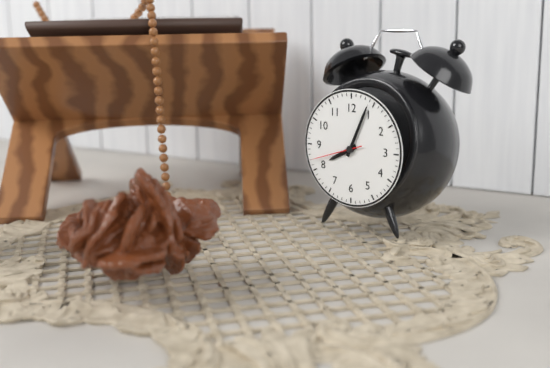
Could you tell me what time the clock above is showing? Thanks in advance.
8:04:42
